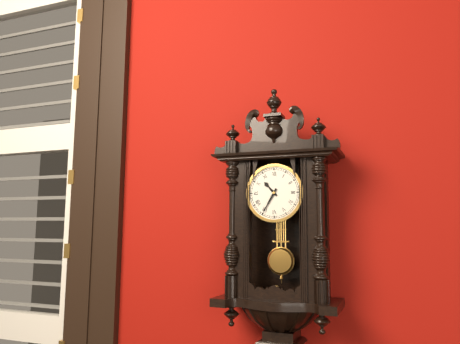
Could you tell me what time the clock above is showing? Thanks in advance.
10:35
